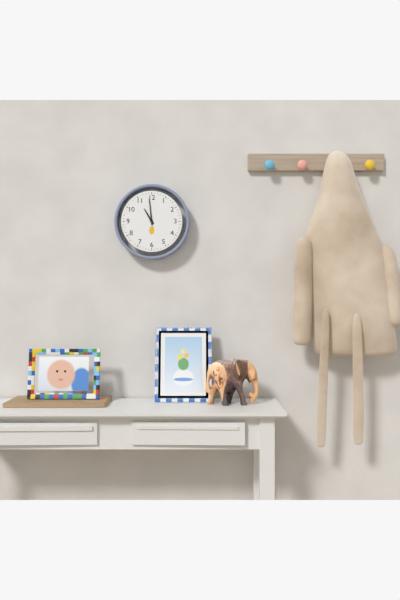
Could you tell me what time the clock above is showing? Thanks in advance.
10:59
